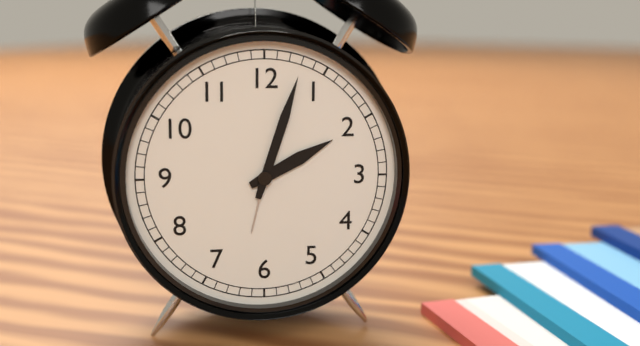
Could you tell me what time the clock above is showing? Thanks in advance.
2:03
